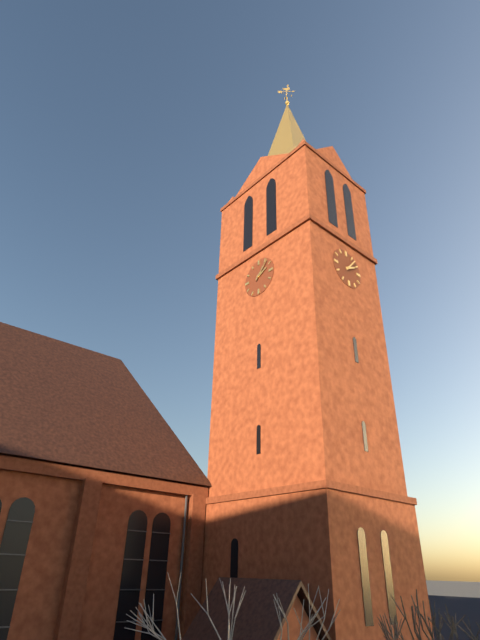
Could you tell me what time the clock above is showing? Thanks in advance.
2:07
